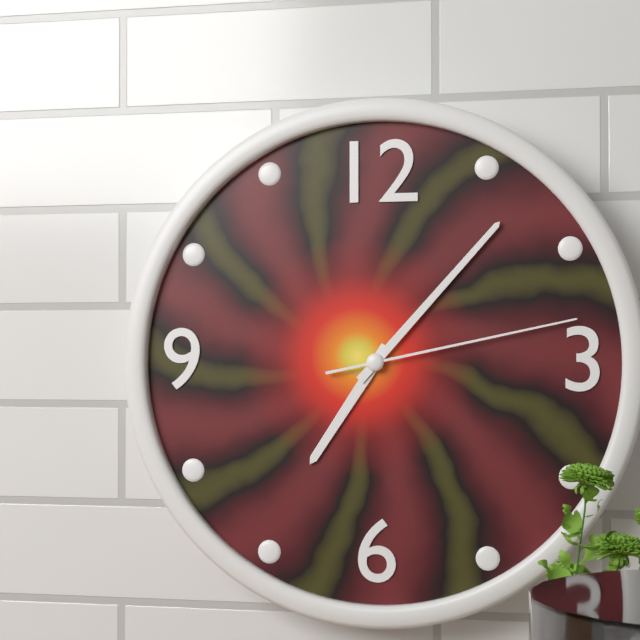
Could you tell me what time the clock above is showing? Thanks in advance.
7:07:13
